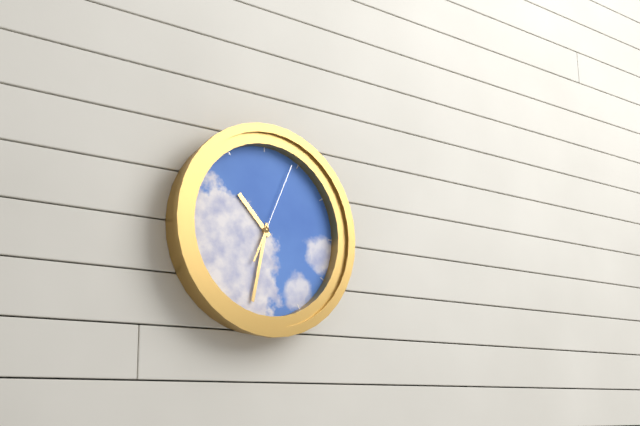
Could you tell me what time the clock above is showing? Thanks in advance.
10:32:04
